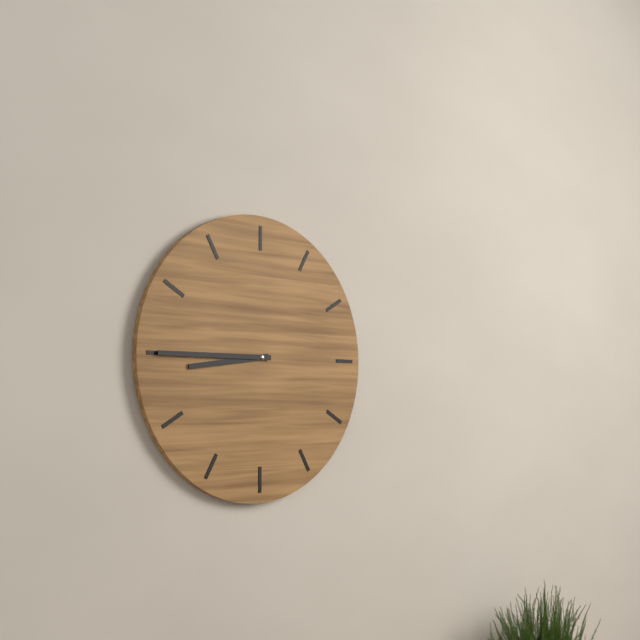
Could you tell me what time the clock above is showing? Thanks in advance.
8:45
